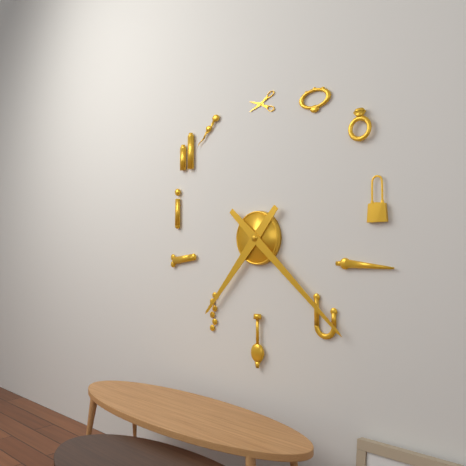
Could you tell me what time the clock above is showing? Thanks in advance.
7:22
